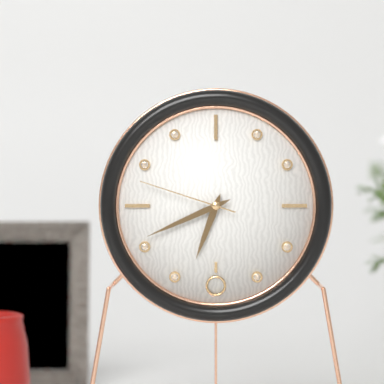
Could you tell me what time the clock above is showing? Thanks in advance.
6:41:48
